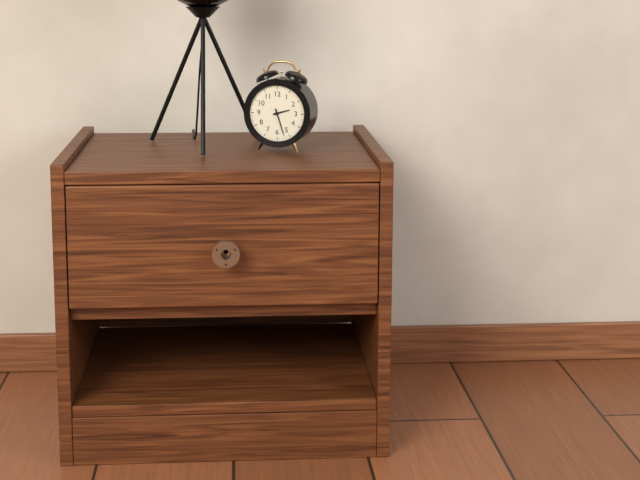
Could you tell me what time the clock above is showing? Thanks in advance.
2:27
